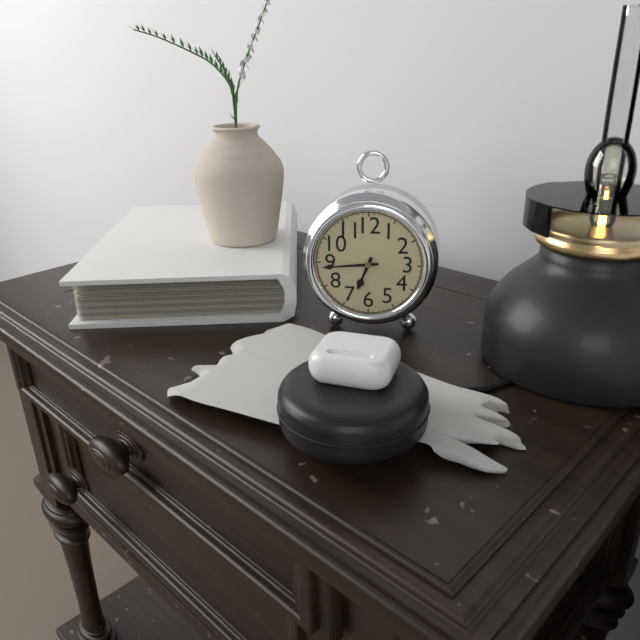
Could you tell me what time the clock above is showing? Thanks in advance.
6:44
